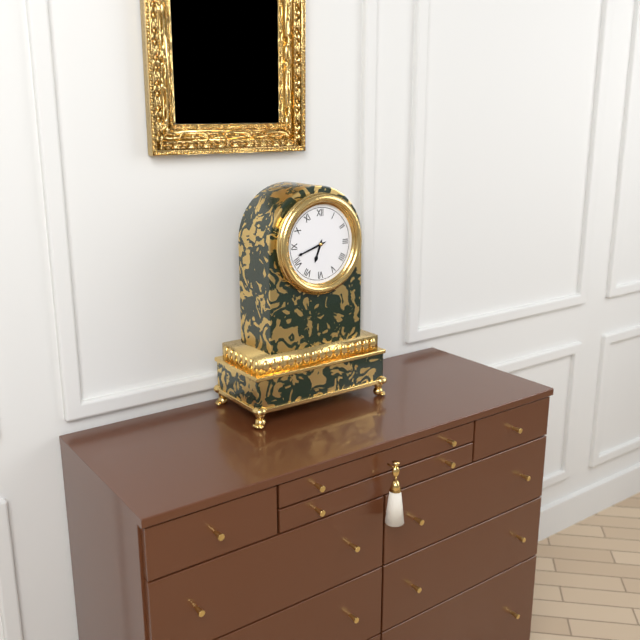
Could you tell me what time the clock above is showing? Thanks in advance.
6:42
